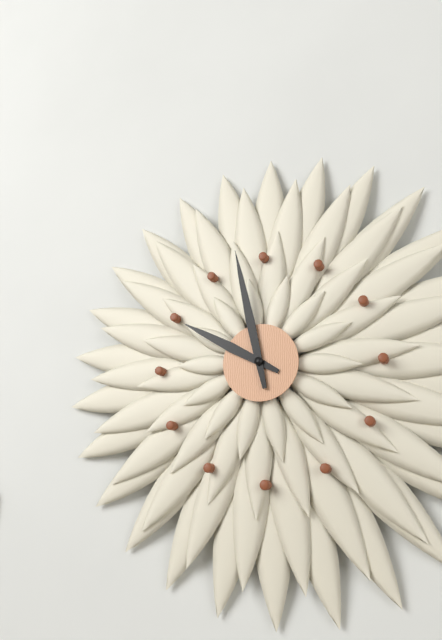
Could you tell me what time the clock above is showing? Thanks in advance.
9:58
